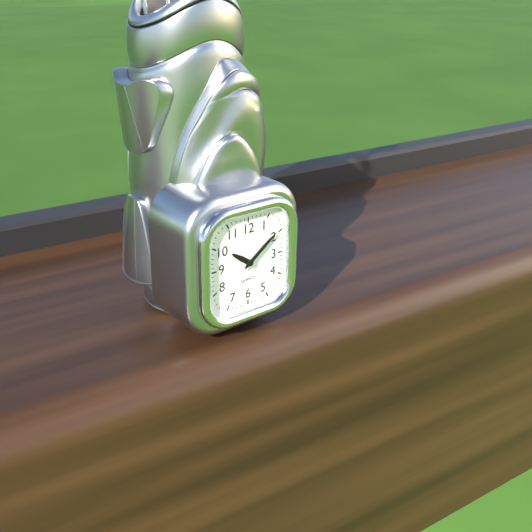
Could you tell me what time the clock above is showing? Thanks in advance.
10:09
